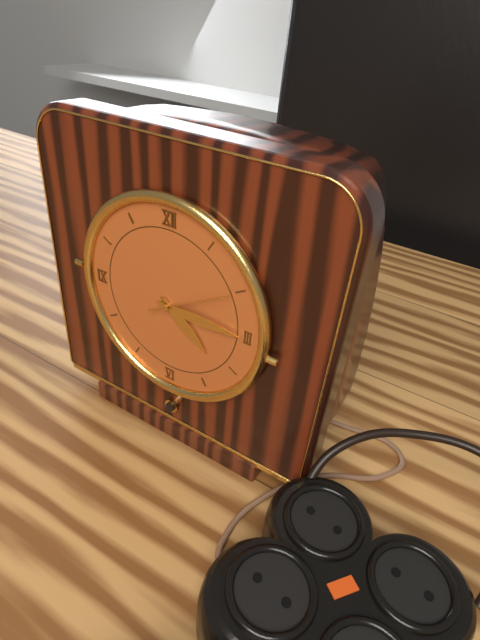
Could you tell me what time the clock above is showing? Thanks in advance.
4:15:10
